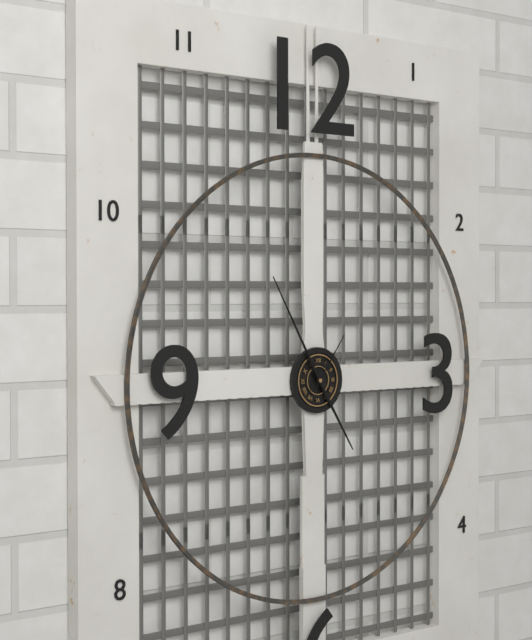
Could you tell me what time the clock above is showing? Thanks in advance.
4:55:06
